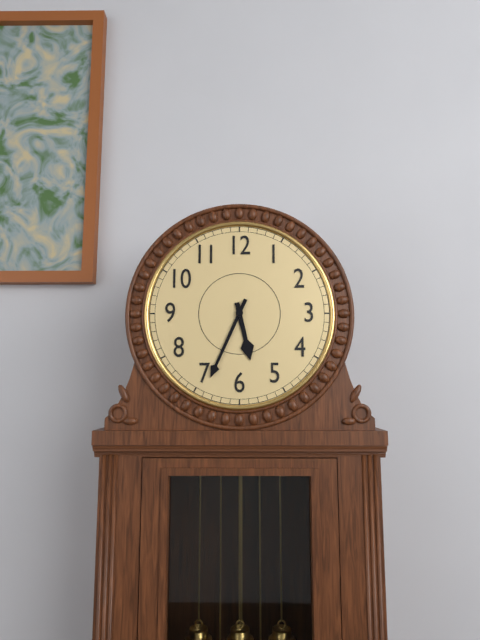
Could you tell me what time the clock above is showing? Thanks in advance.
5:34
